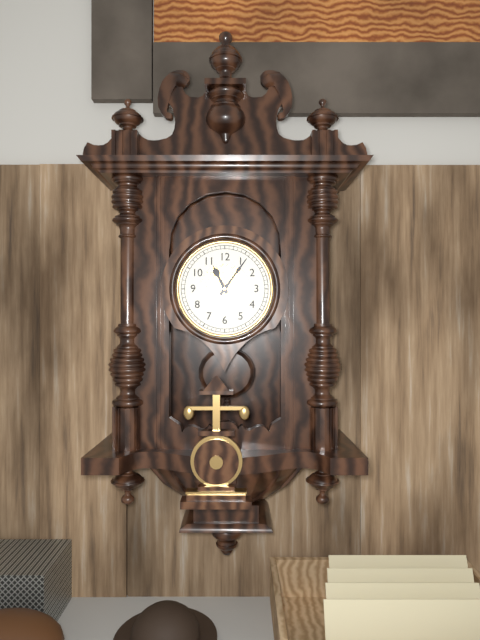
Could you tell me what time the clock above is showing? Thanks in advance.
11:06
